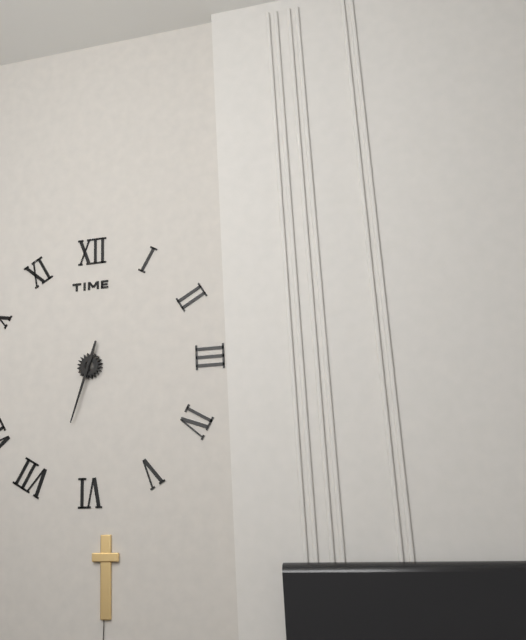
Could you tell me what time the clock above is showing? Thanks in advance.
12:33
